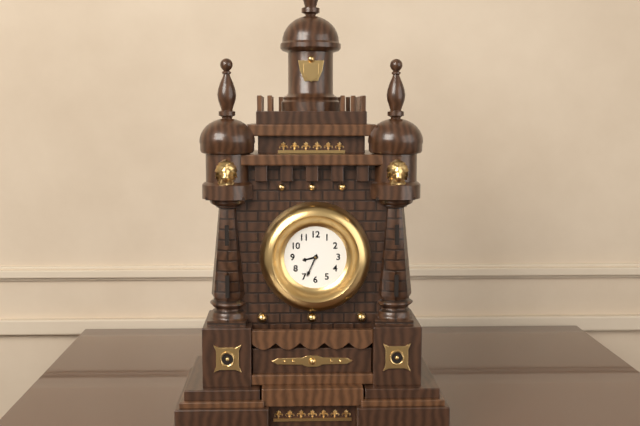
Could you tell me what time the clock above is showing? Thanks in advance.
8:34
